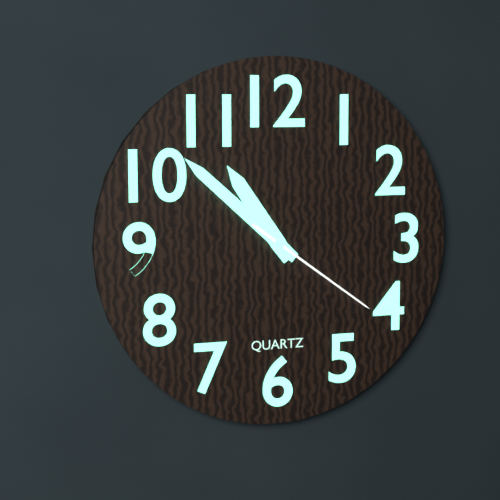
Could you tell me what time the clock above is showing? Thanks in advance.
10:52:21
